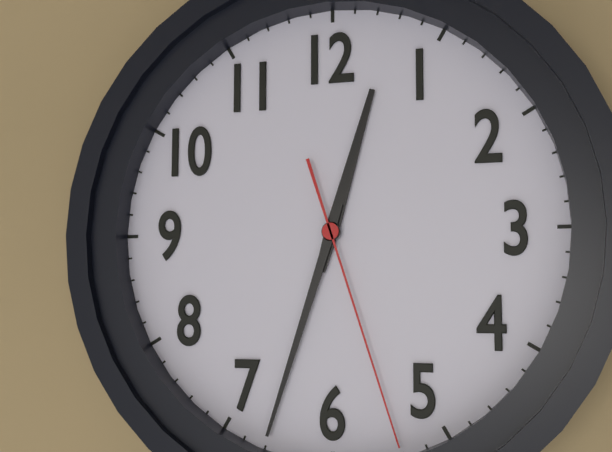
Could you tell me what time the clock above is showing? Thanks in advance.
12:33:27
